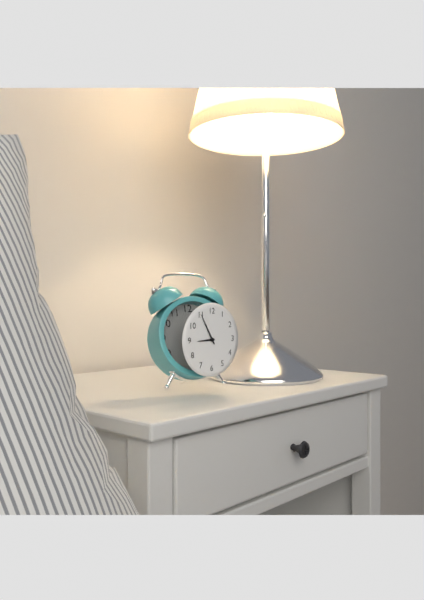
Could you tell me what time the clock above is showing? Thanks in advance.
8:55
